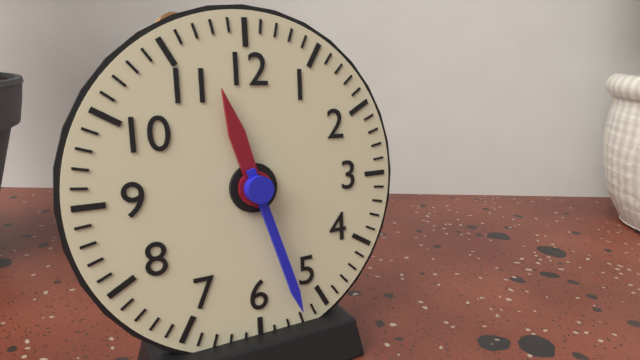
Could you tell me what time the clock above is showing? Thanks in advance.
11:27
